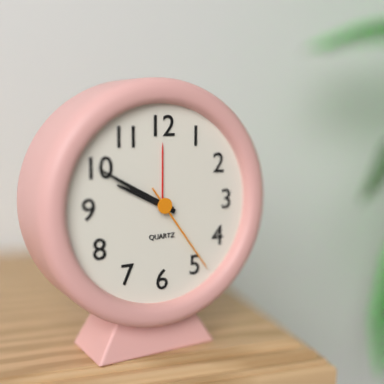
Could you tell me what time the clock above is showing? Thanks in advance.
9:50:24
